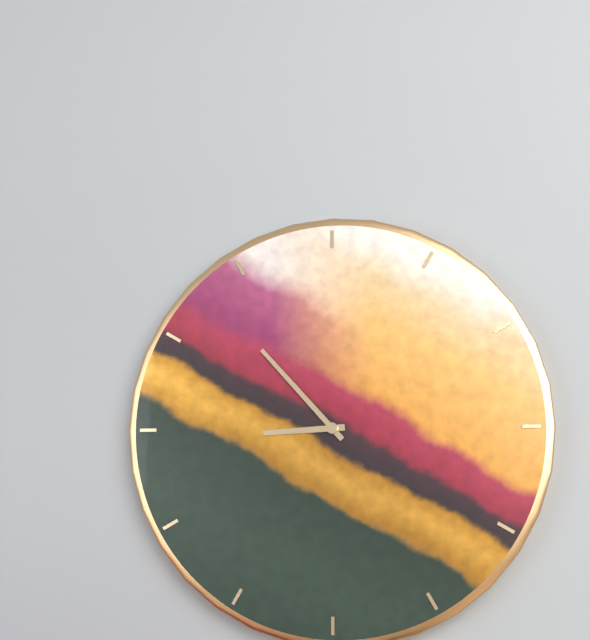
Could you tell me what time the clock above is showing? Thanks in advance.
8:53
